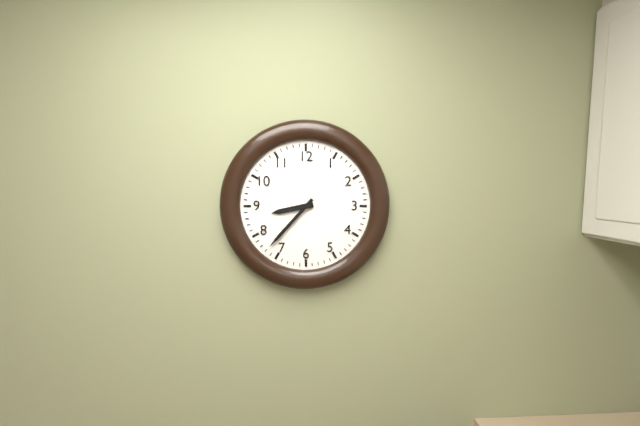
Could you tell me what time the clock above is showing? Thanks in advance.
8:37
